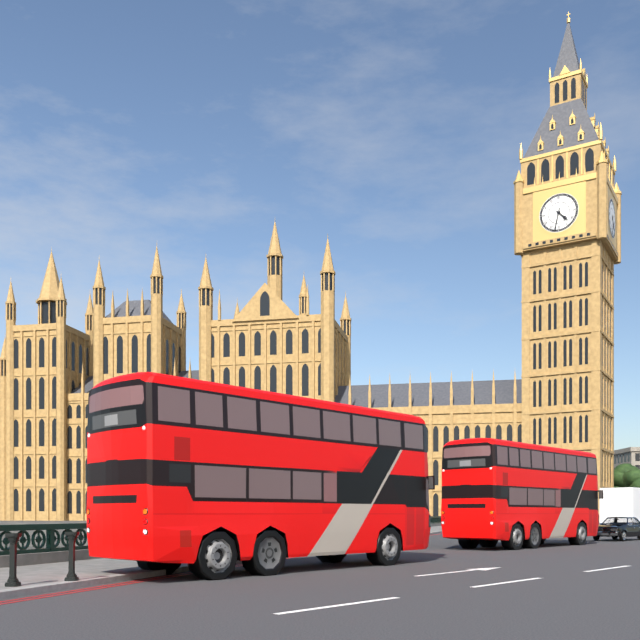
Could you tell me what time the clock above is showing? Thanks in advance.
4:32
